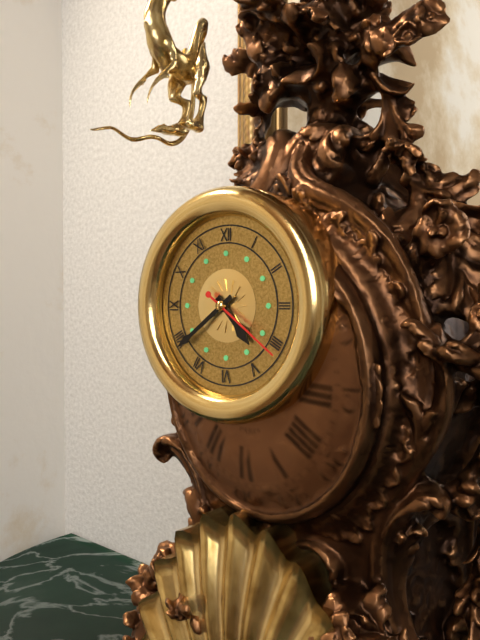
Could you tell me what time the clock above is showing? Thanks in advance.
4:39:21
